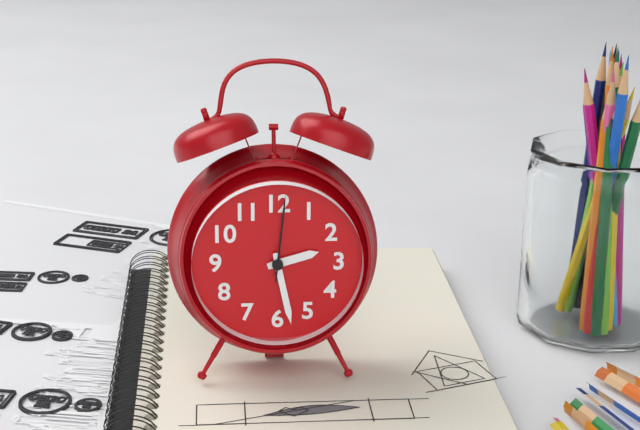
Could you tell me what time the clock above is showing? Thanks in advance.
2:28:01
